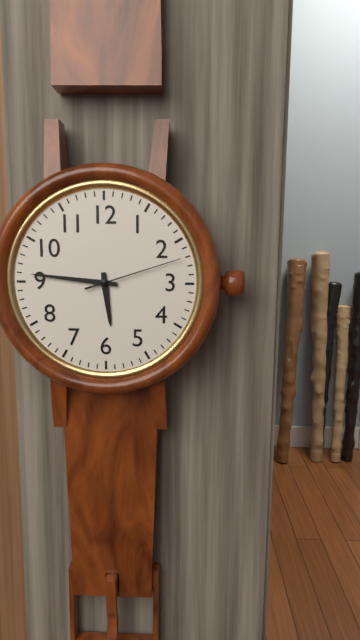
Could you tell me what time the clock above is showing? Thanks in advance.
5:46:12
